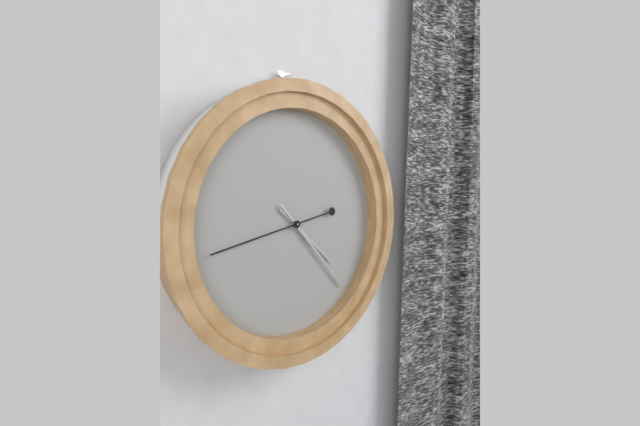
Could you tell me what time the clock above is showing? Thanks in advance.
4:23:43
